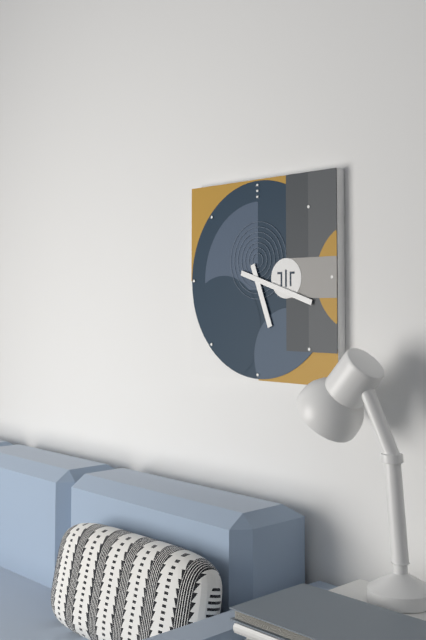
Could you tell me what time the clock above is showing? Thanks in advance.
5:18
